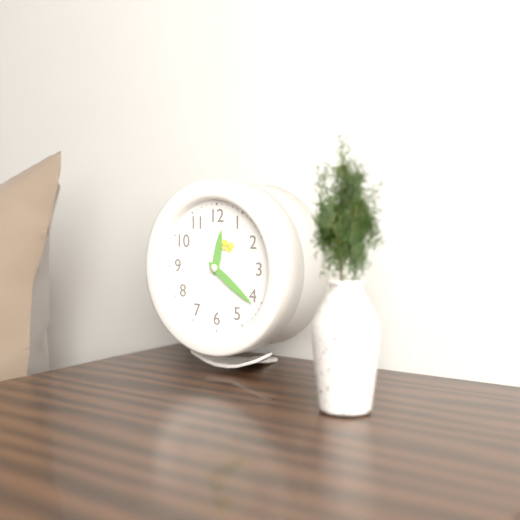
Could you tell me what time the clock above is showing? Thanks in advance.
12:21
